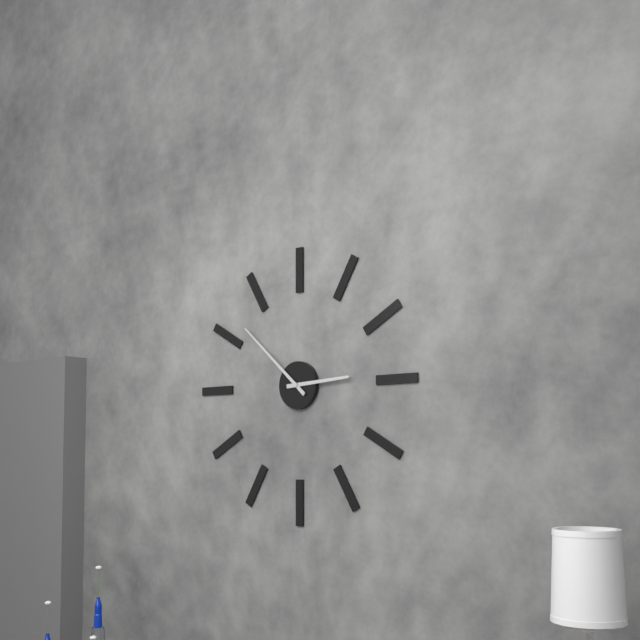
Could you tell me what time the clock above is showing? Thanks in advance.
2:52
